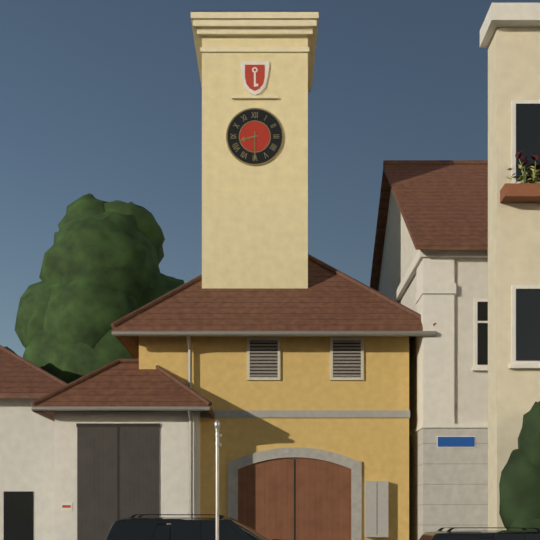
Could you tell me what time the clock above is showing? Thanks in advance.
8:30
